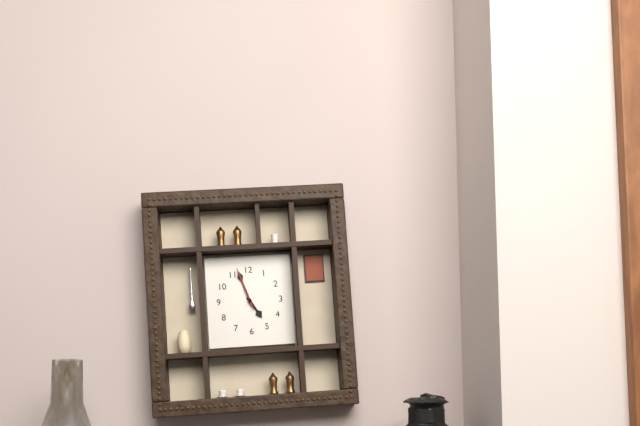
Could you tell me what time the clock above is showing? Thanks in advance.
4:57
